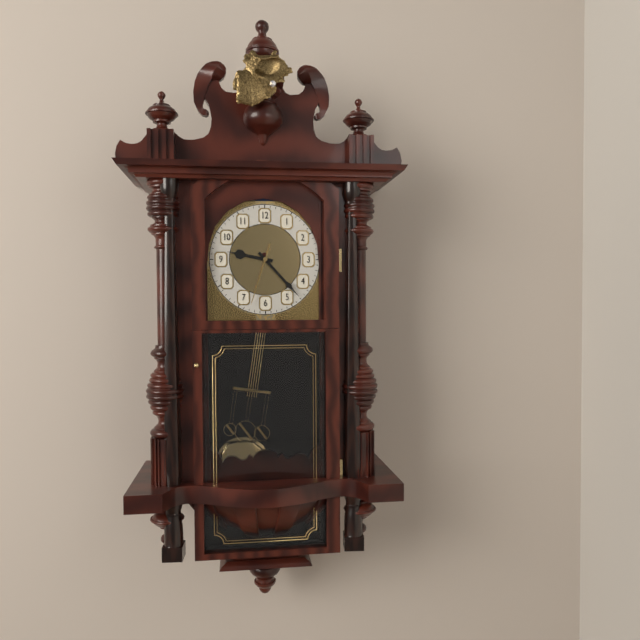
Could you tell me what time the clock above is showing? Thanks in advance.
9:23:33
